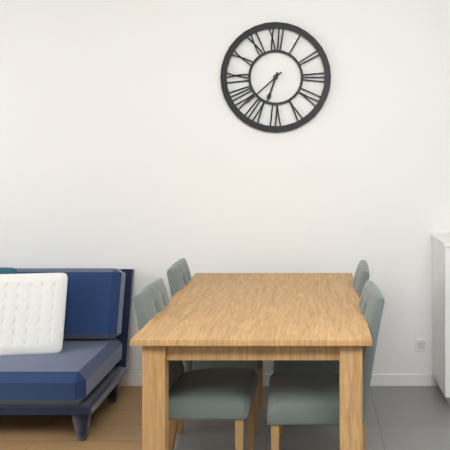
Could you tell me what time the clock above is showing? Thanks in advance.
6:38
